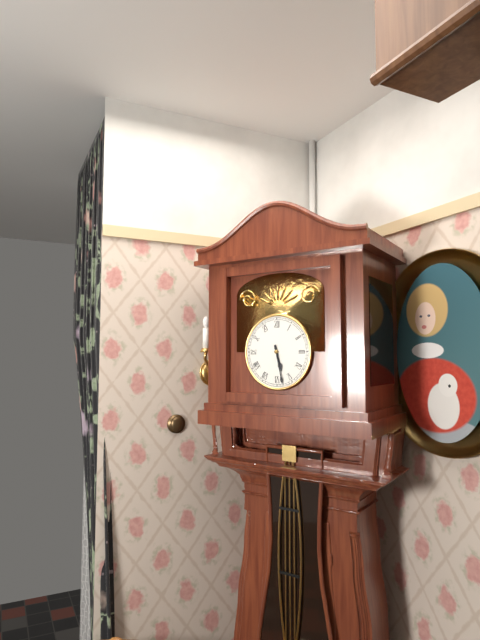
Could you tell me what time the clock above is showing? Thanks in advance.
5:28
